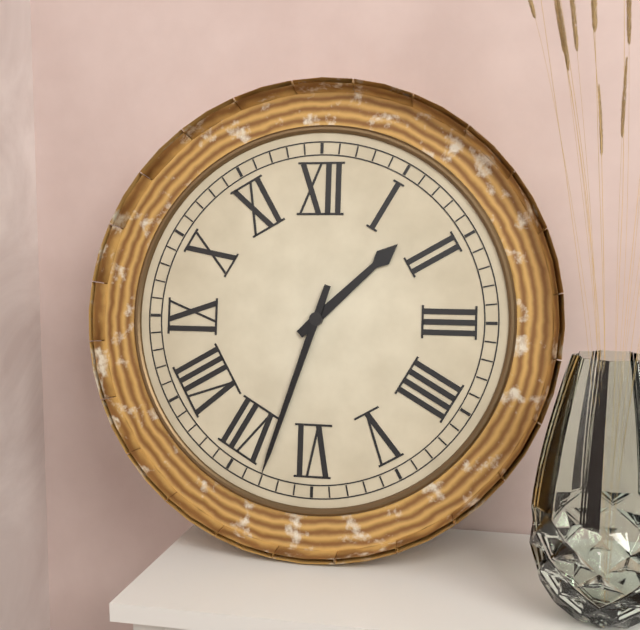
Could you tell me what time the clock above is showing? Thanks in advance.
1:33
